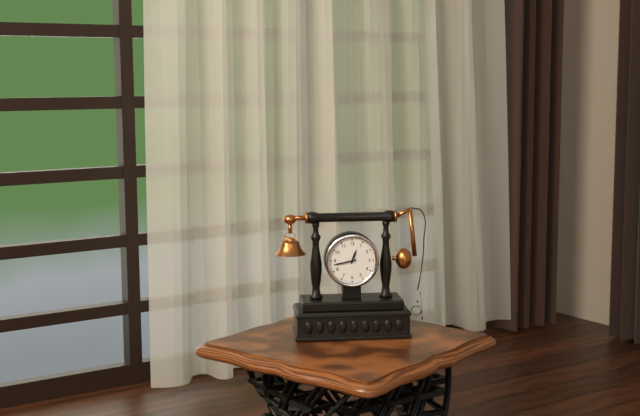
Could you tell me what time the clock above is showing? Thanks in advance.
12:43
